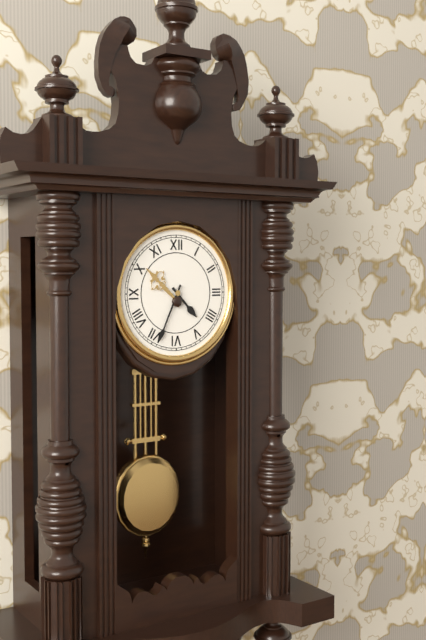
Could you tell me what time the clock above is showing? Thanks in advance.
4:34
